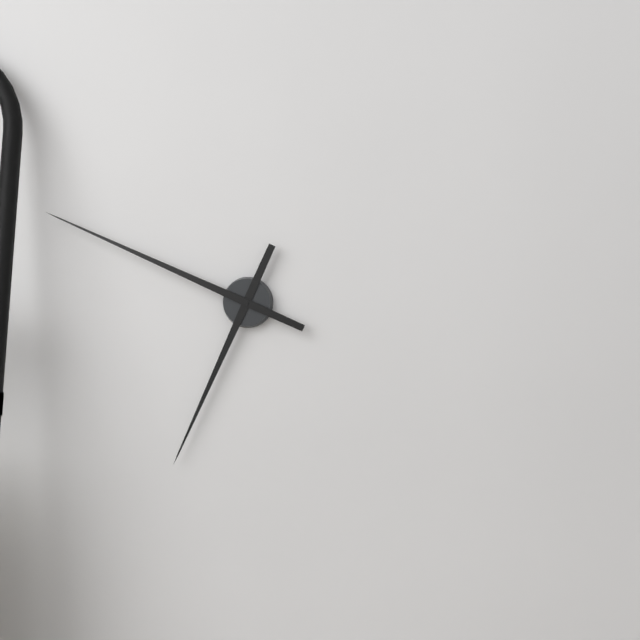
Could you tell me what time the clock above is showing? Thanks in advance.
6:49
